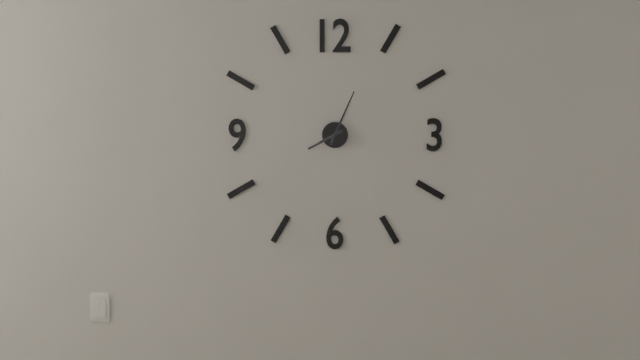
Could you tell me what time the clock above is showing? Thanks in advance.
8:04
